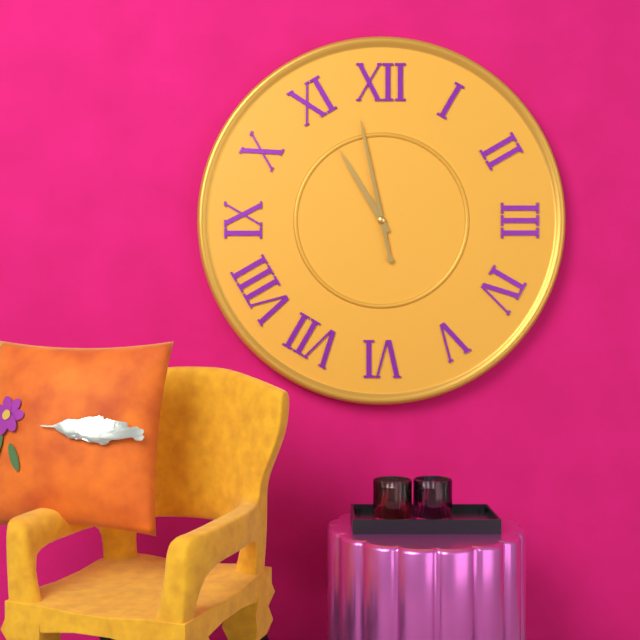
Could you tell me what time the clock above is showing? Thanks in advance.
10:58
